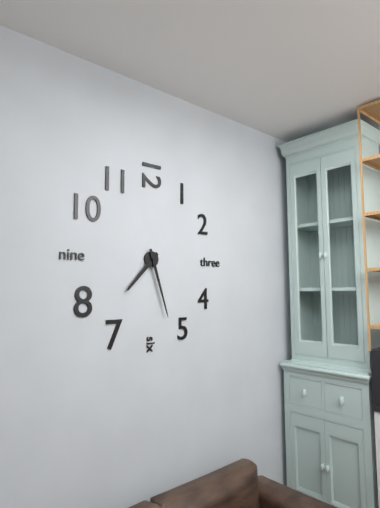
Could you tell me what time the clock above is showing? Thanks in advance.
7:27
